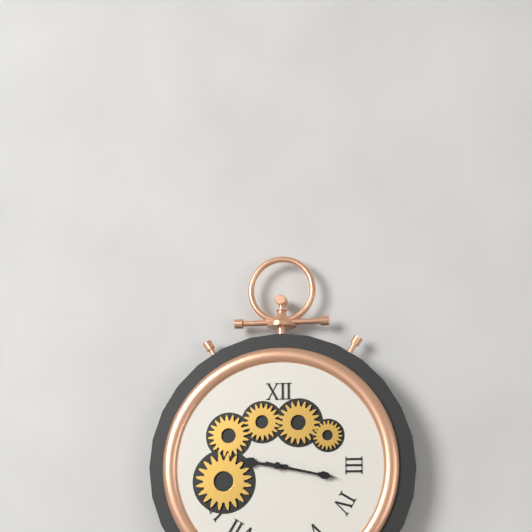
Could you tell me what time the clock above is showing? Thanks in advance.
9:17
